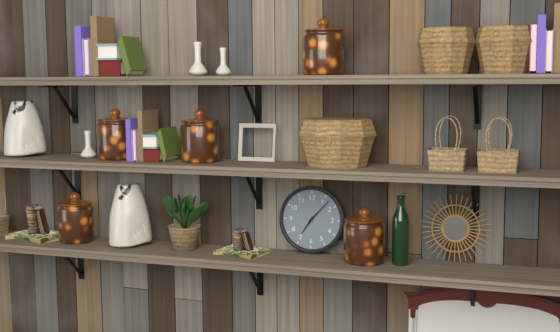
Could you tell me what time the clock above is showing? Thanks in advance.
7:07
